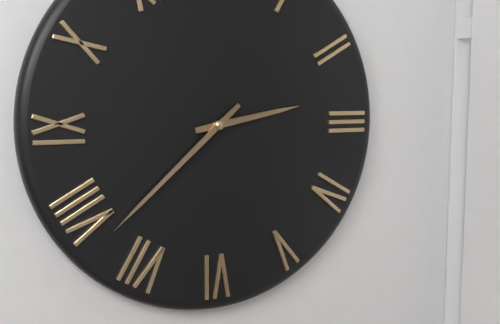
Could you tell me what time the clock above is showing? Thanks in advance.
2:38
